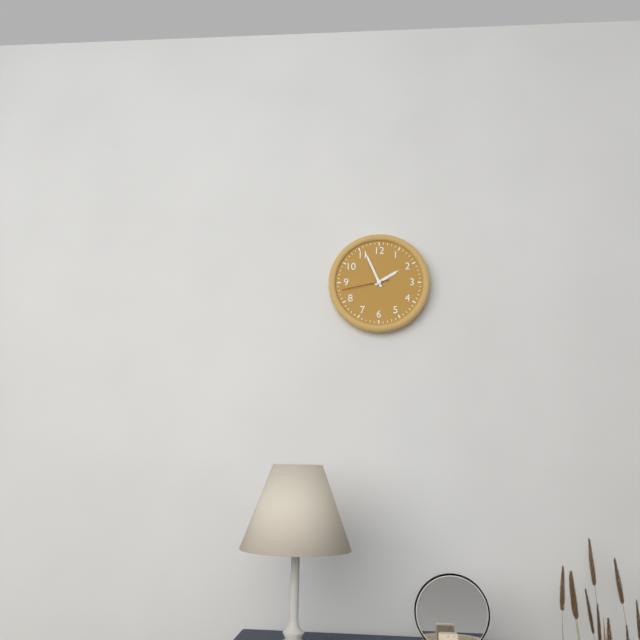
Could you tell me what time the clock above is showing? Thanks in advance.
1:56
